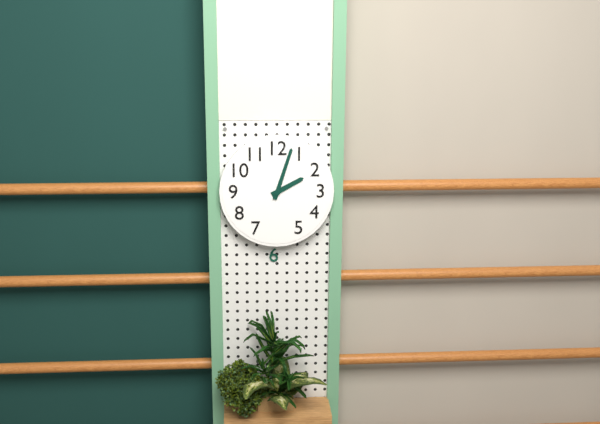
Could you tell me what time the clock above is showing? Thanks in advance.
2:03
